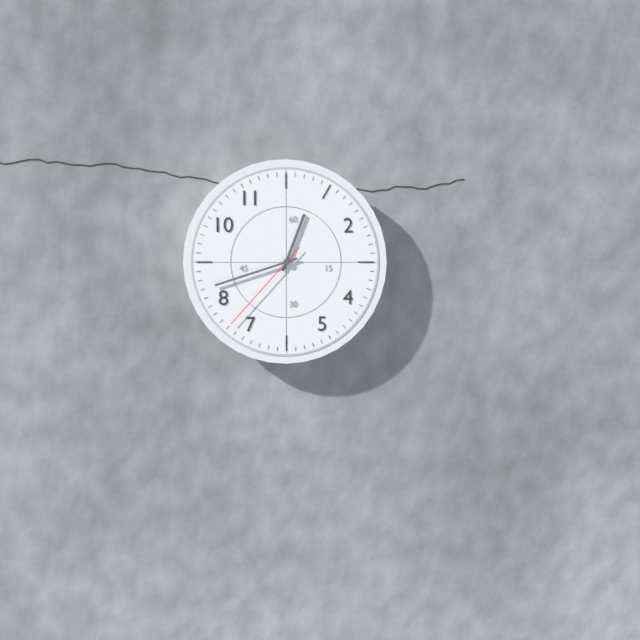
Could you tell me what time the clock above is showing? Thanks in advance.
12:42:37
